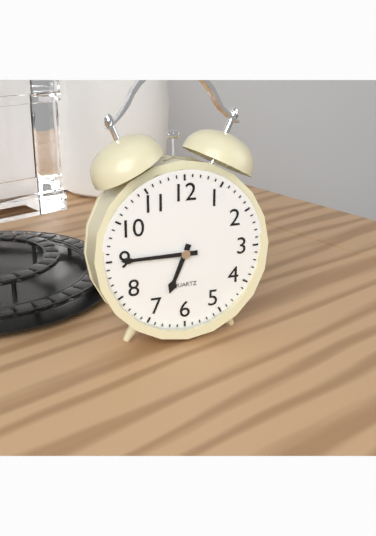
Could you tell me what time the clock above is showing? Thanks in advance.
6:45
